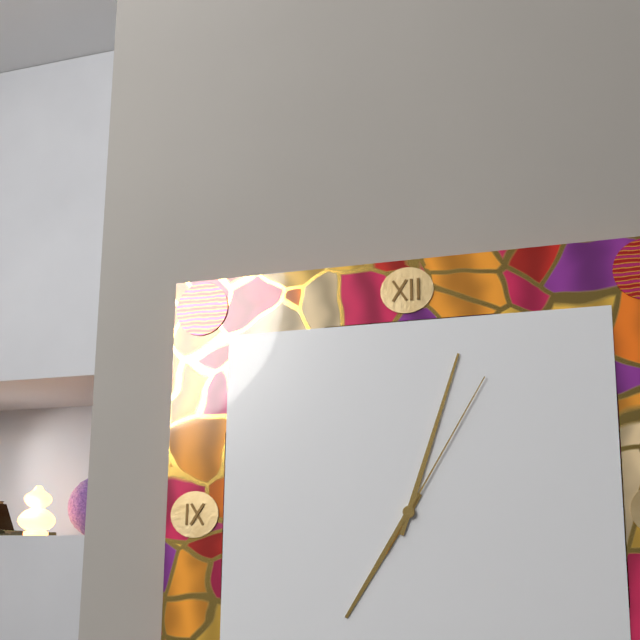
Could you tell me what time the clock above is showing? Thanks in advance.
7:03:05
